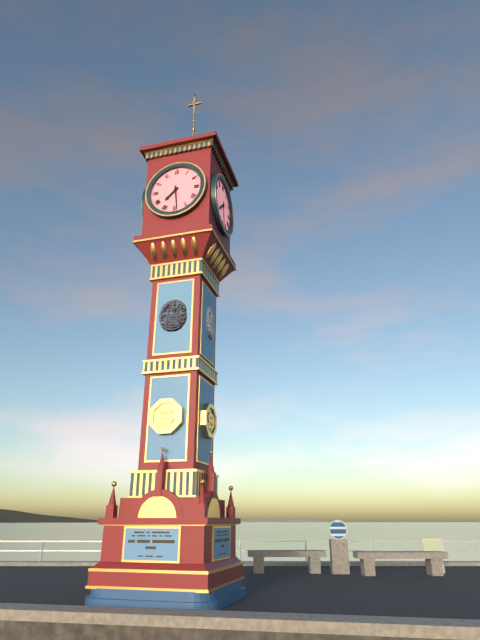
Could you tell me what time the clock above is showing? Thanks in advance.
7:29
